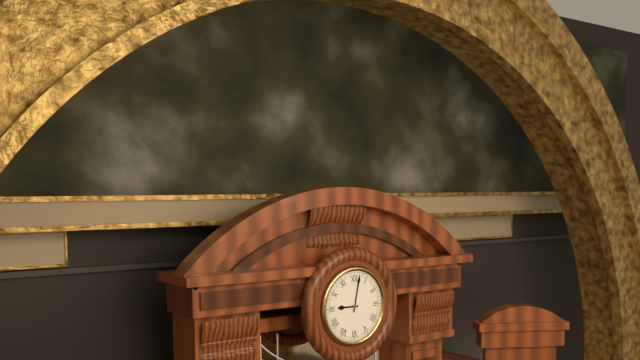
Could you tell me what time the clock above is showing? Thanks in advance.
9:02
